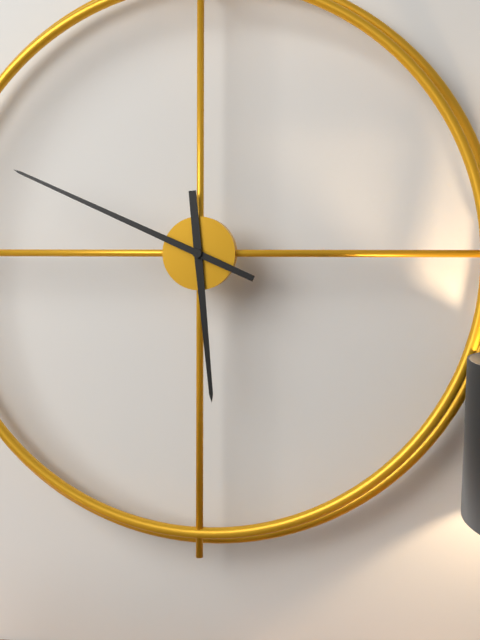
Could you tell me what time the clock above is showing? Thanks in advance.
5:49
